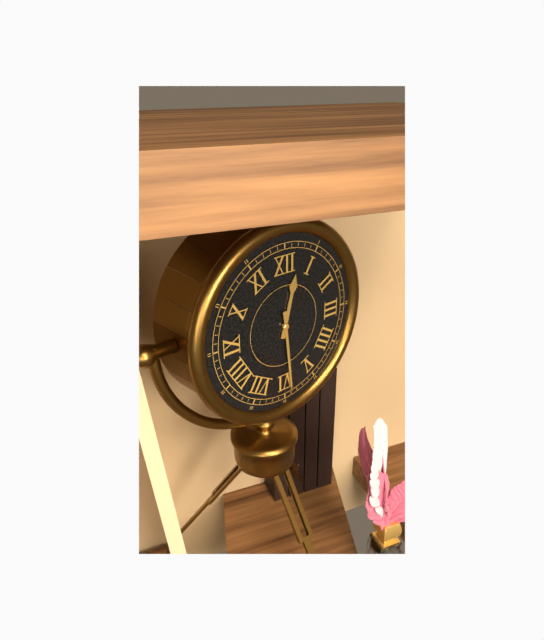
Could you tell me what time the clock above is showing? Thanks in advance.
12:29
